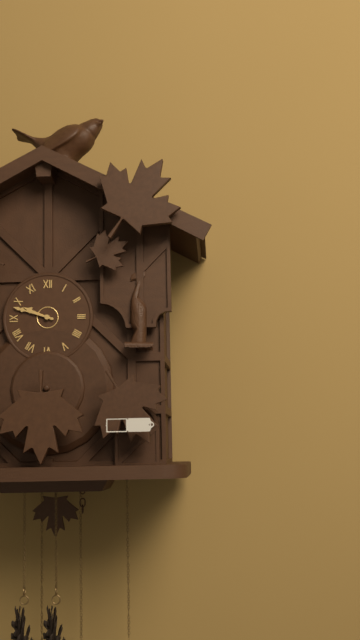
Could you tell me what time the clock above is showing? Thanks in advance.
9:48
